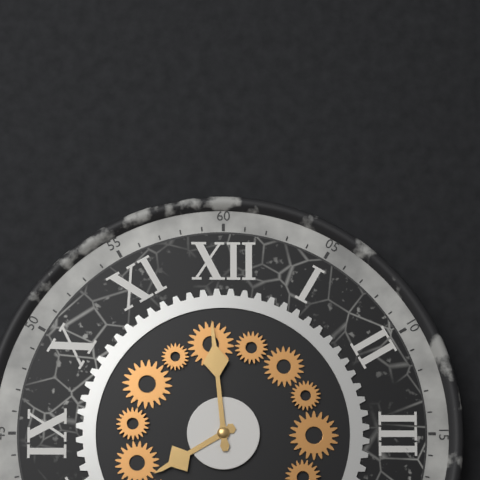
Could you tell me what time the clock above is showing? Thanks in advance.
7:59
